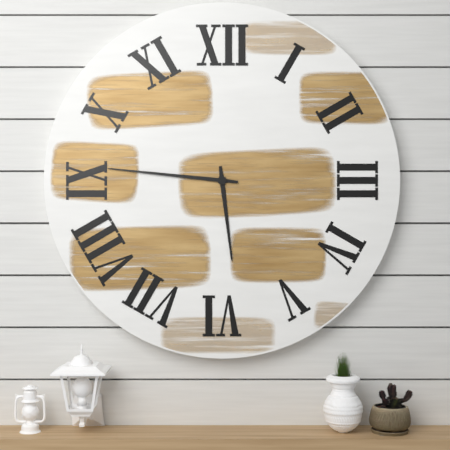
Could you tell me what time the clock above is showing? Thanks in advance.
5:46
